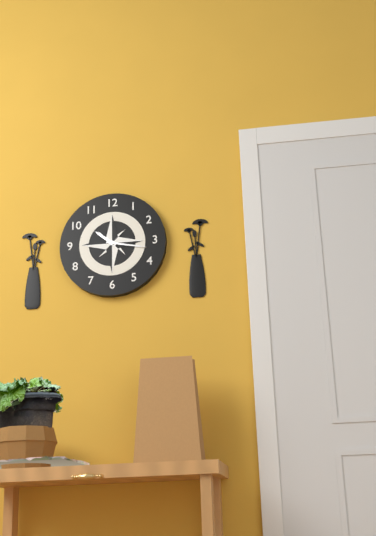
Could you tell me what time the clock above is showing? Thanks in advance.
10:17
